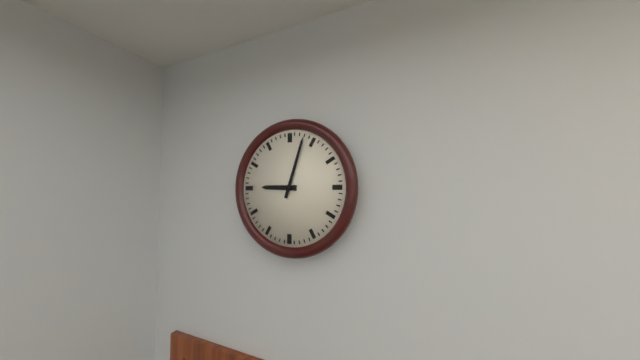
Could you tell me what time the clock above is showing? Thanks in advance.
9:03
